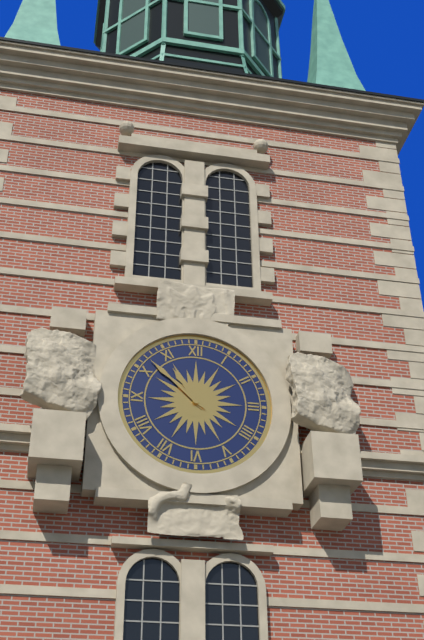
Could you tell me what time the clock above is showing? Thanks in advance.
10:52
